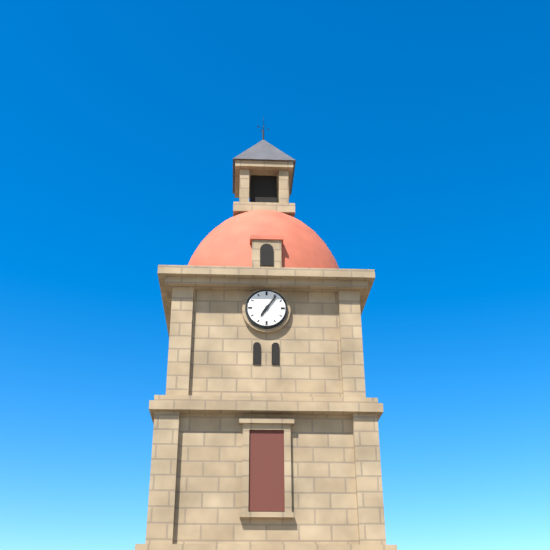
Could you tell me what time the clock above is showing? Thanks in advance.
7:06
